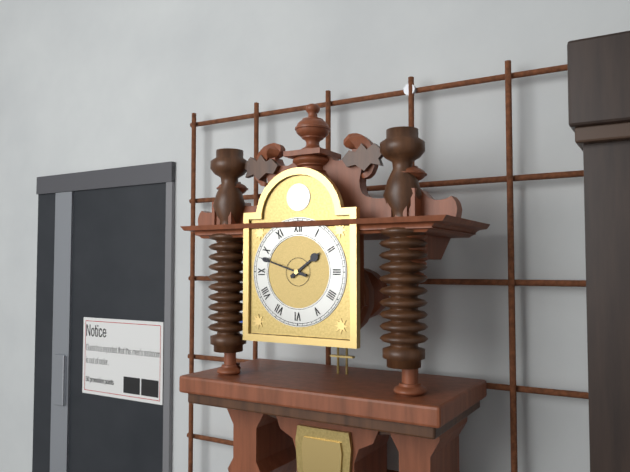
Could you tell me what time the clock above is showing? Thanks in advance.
1:48
